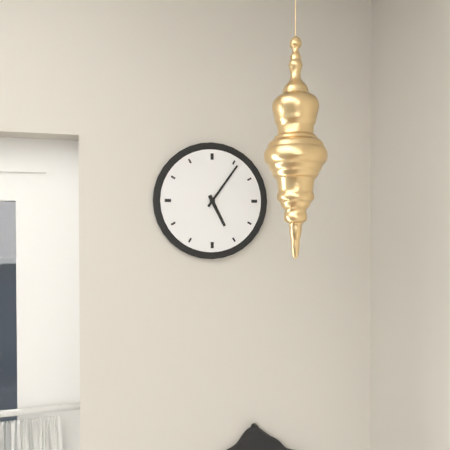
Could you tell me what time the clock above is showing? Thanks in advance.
5:06
